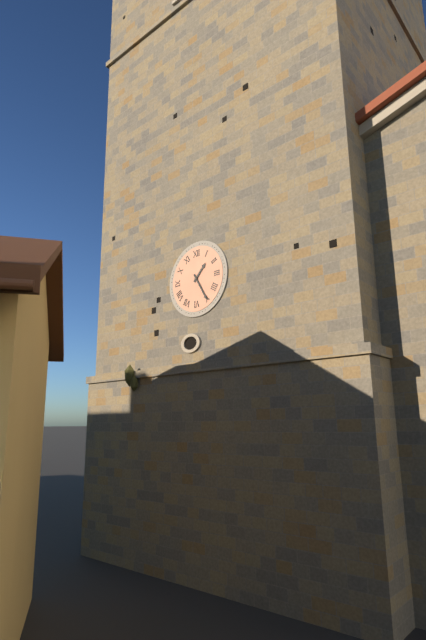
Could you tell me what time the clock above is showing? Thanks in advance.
1:25
